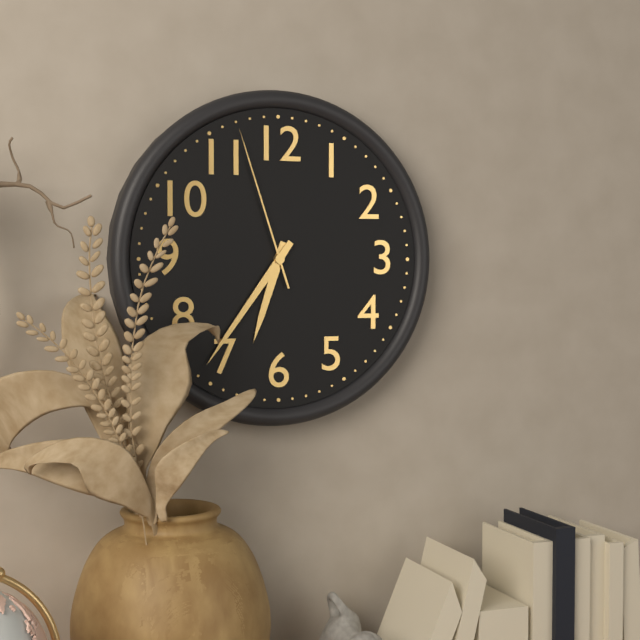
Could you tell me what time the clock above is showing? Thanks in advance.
6:36:57
